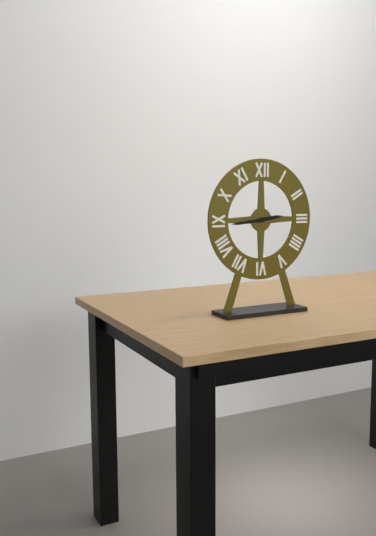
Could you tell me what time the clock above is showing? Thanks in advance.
2:44
